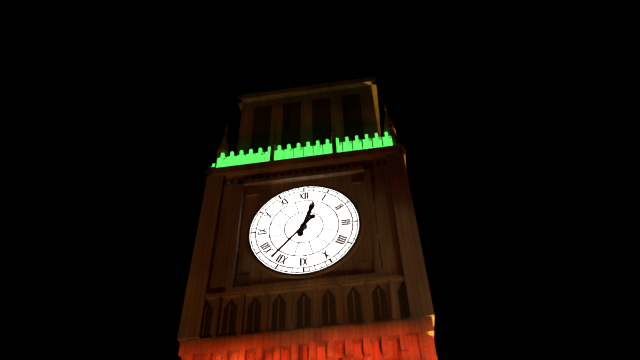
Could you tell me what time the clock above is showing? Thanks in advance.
12:37
